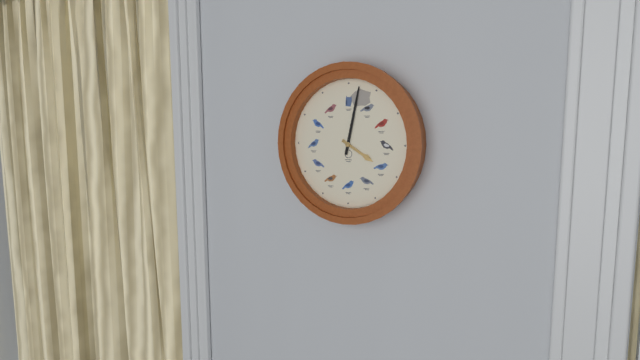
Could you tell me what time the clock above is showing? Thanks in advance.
4:02
